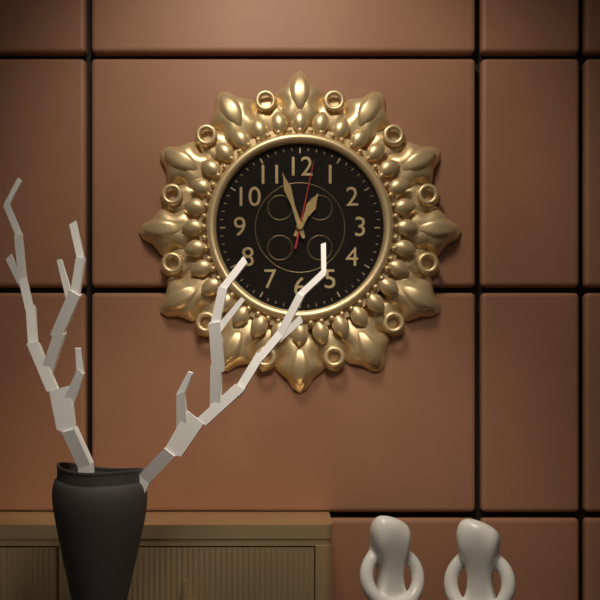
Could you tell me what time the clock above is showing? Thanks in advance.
12:57:02
